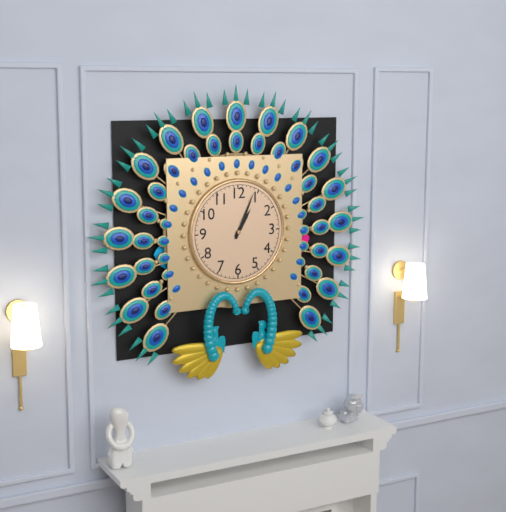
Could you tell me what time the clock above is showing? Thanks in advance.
1:04
